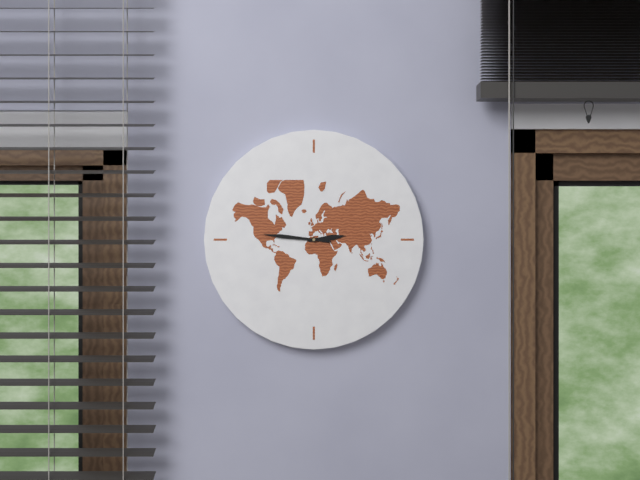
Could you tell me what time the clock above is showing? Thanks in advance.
2:46
